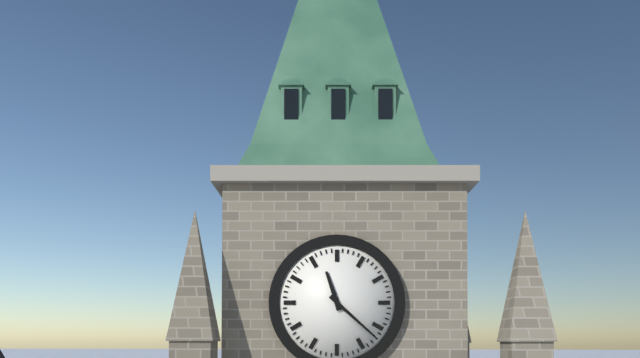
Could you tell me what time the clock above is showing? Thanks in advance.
11:22
